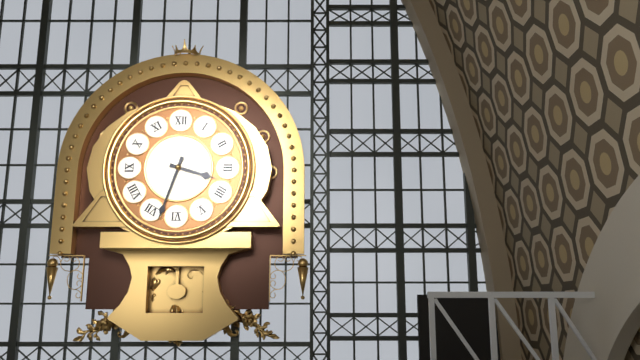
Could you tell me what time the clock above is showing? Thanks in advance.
3:33
